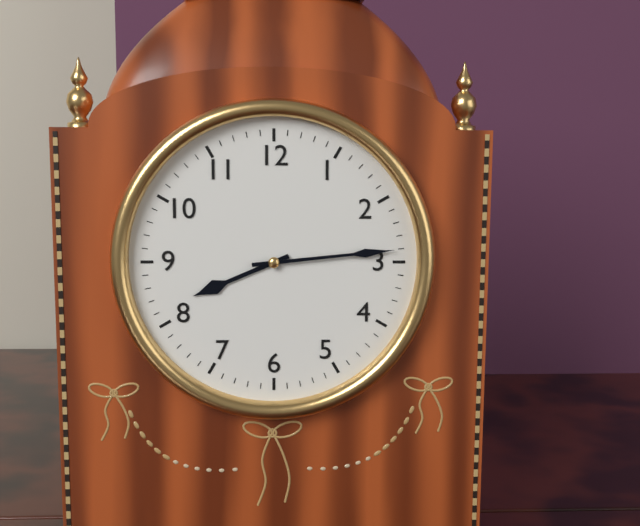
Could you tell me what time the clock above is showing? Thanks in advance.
8:14
